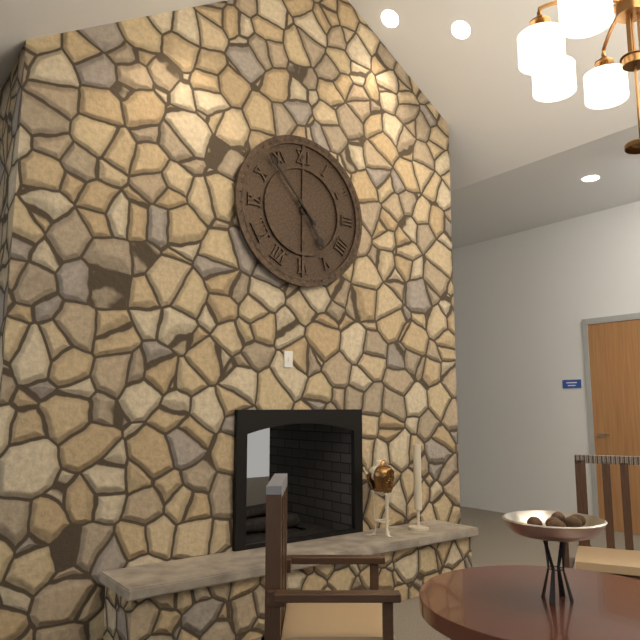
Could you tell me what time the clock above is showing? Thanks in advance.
4:53
